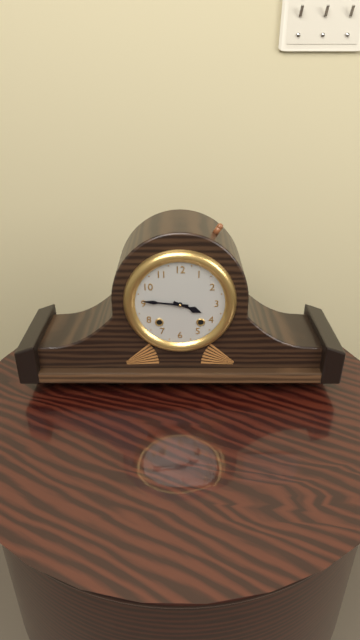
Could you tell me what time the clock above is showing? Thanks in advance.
3:46
